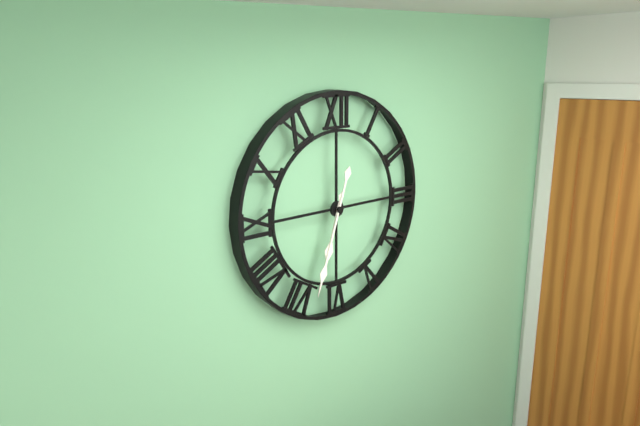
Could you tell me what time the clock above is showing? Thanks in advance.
6:33
